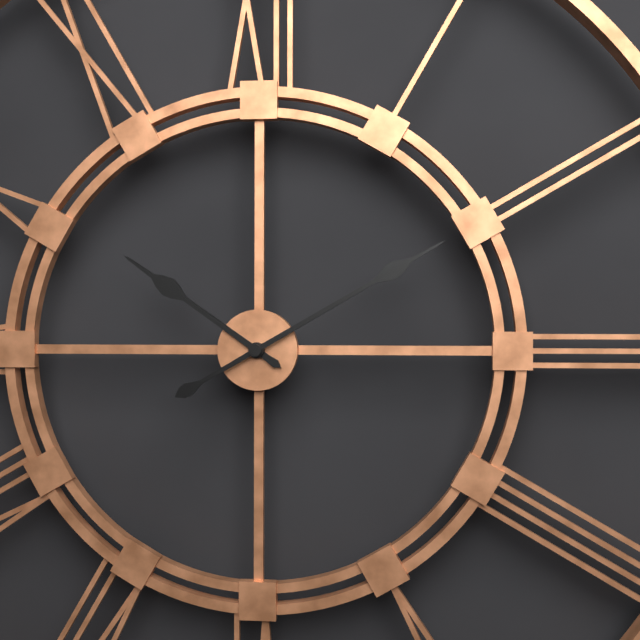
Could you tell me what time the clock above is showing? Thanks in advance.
10:10
